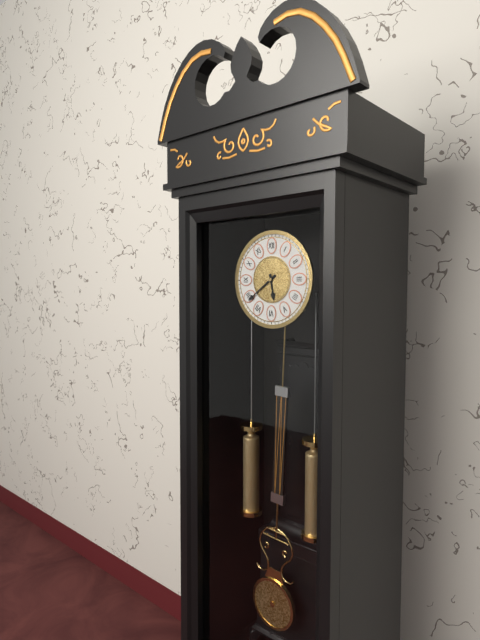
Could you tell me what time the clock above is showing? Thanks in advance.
5:39
